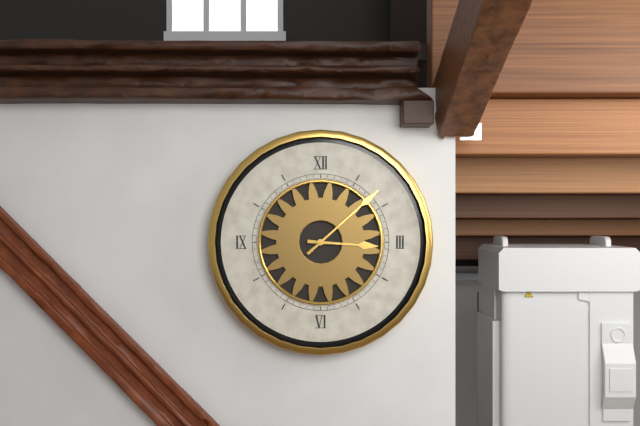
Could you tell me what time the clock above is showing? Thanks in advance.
3:08
